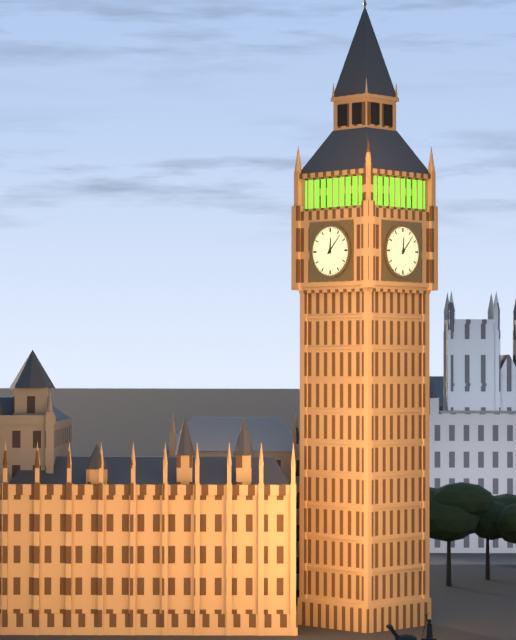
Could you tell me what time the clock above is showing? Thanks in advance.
12:07
